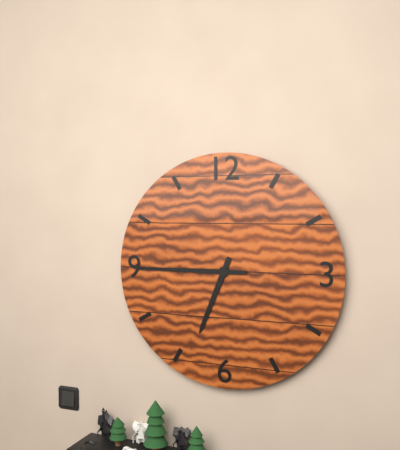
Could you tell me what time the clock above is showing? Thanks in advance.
6:45
